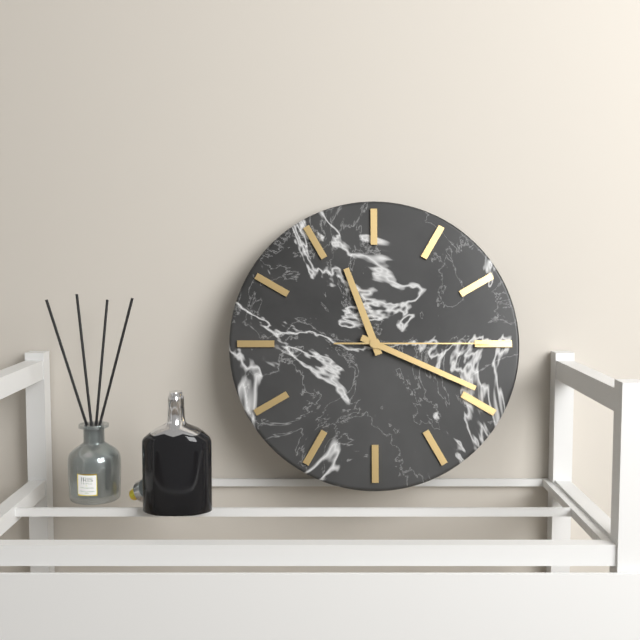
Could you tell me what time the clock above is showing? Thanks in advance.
11:19:15
